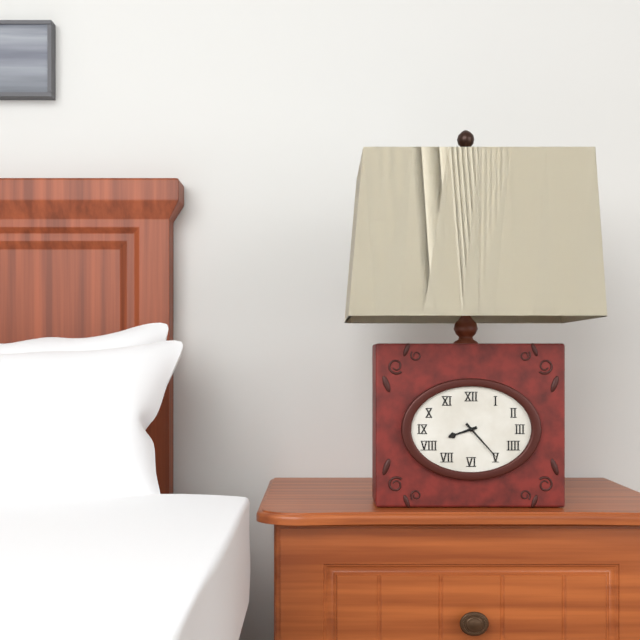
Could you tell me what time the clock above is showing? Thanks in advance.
8:23
